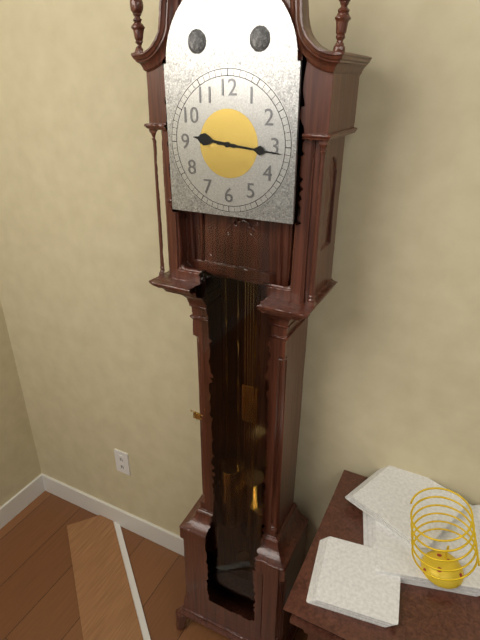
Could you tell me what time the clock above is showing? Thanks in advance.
9:16
